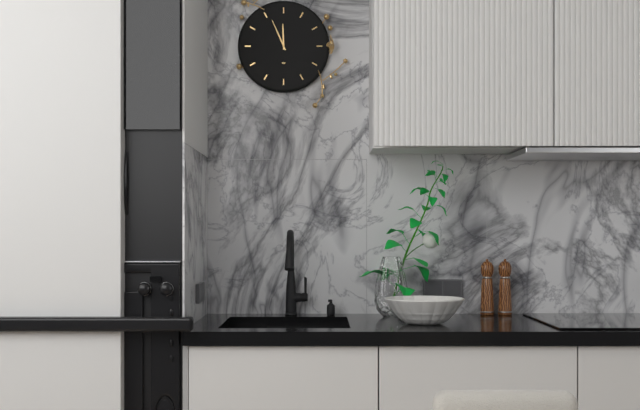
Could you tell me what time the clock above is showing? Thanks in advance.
11:56
